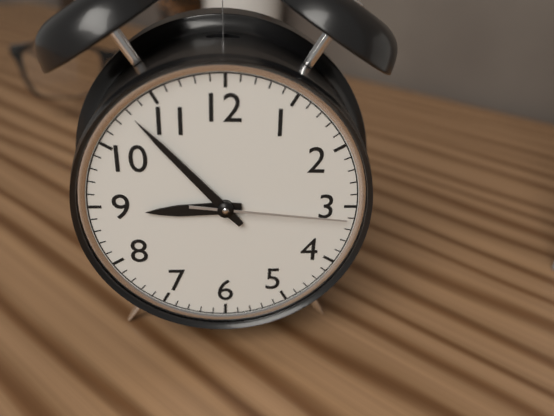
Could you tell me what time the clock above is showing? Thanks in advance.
8:53:16
